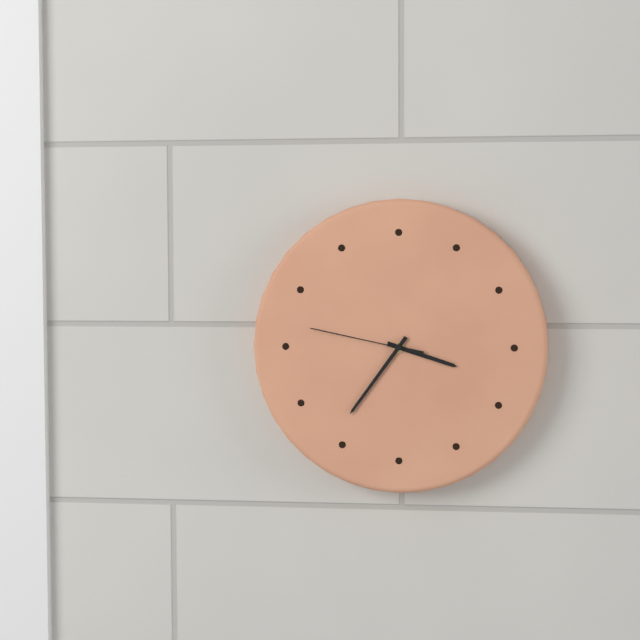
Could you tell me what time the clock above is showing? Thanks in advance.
3:36:47
